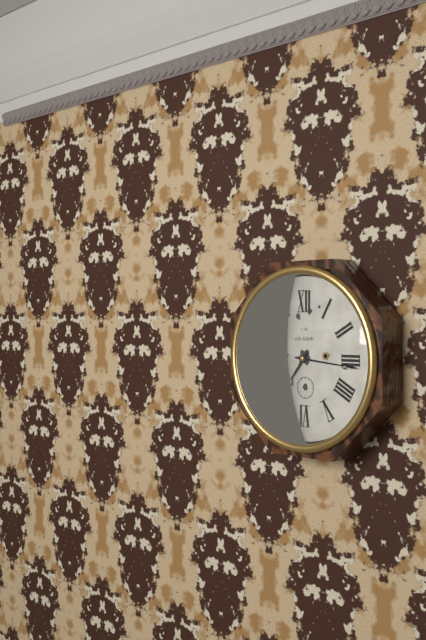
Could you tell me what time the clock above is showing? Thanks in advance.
7:16
